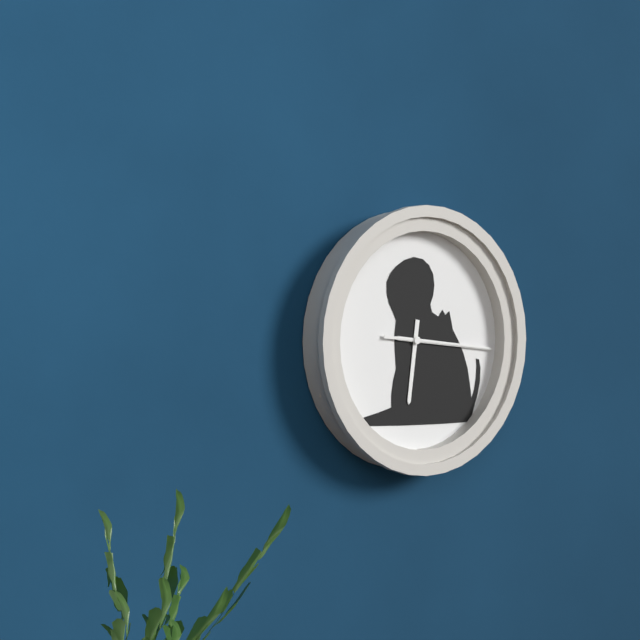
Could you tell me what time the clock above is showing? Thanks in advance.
6:16:16
